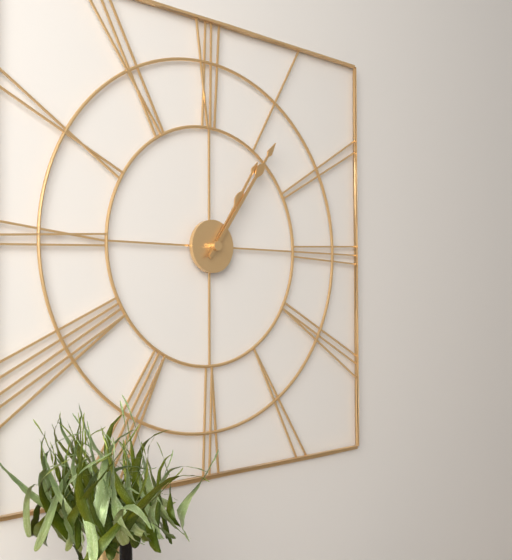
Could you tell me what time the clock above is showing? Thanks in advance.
1:06
